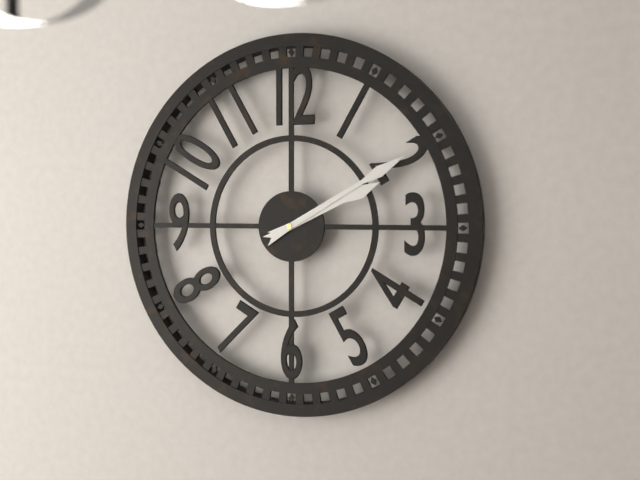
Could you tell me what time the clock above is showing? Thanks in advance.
2:10
